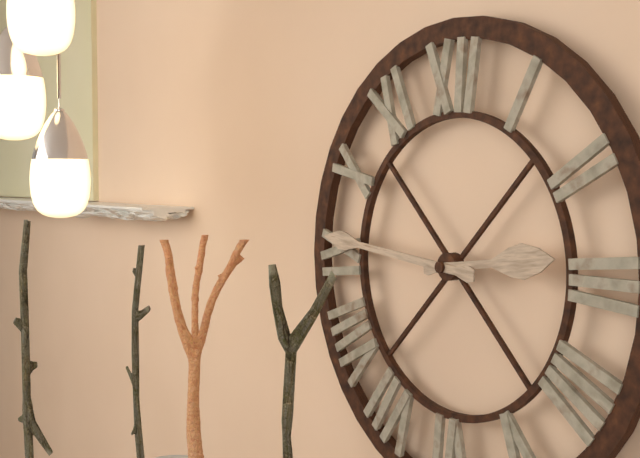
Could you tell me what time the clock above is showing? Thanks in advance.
2:46
